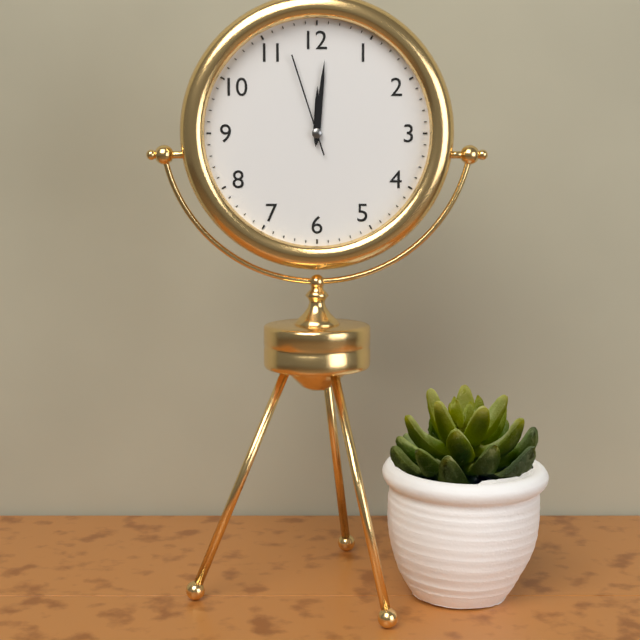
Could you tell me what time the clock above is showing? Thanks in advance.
12:01:57
